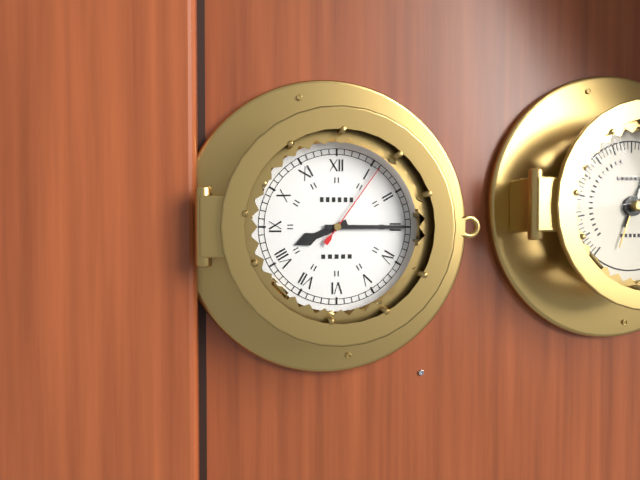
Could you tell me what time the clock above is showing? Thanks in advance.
8:15:06
